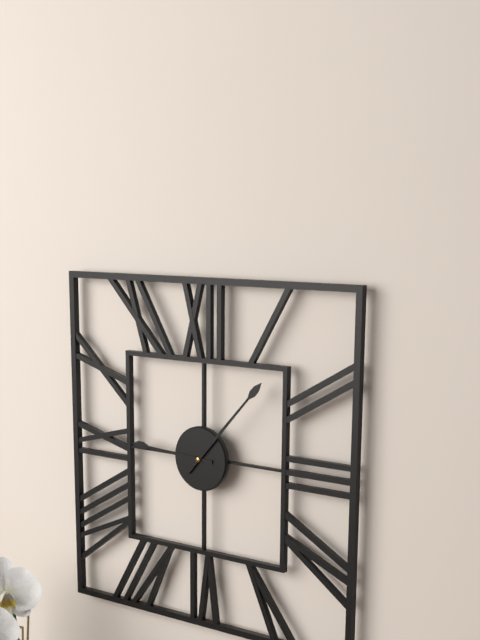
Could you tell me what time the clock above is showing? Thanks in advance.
9:07
